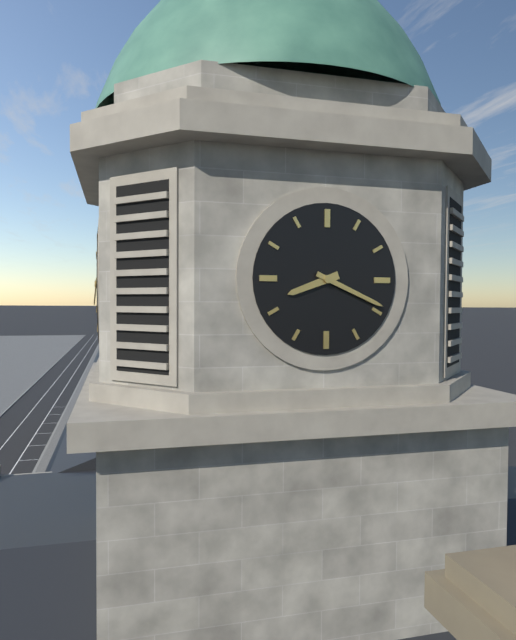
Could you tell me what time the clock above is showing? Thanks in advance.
8:19
